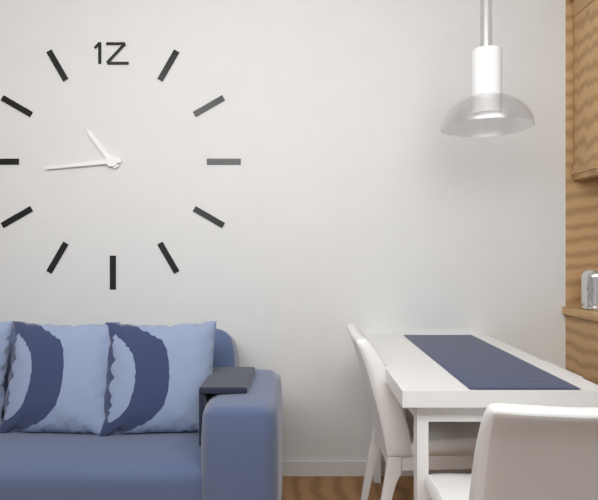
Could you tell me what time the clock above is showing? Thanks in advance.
10:44
